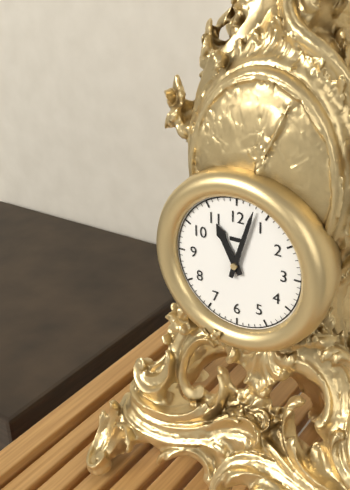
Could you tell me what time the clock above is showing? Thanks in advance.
11:03
